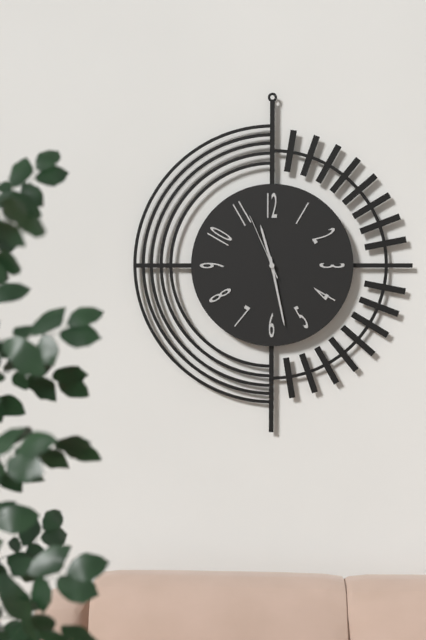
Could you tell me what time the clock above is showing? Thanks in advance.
11:28:56
